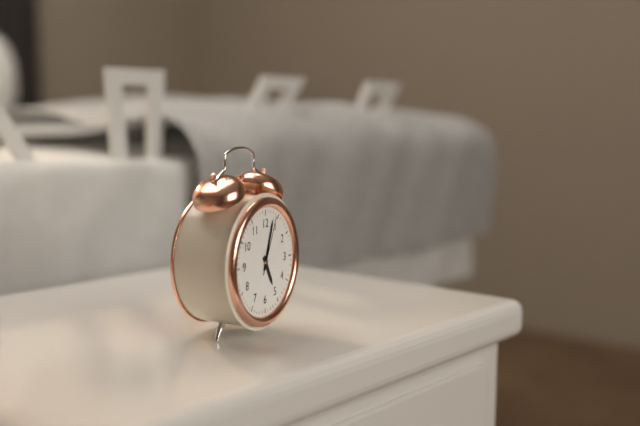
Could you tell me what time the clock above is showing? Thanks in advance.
5:03:04
